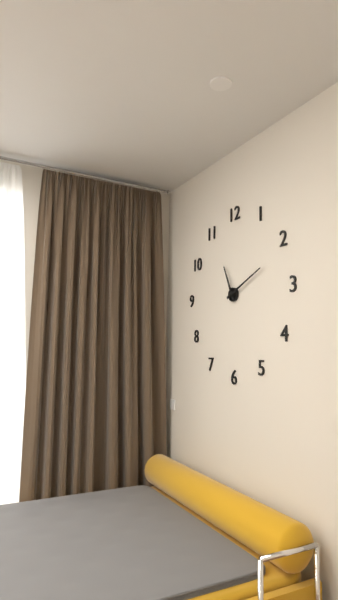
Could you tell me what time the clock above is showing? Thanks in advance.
11:11
